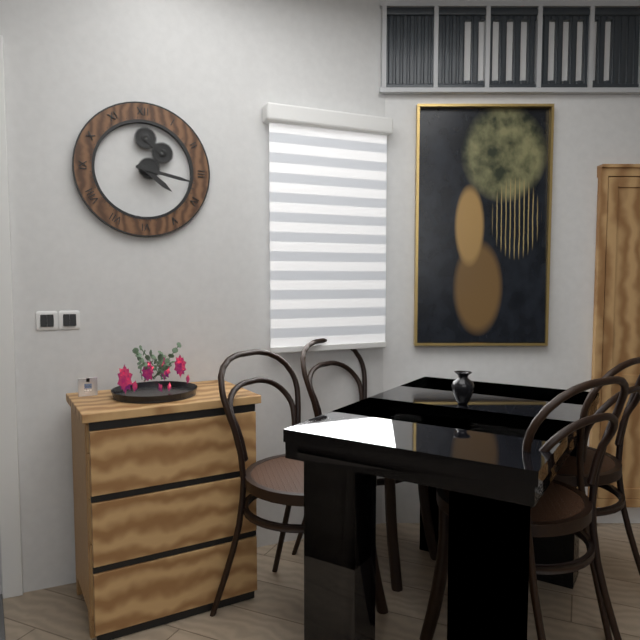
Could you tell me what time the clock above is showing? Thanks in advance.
4:17
